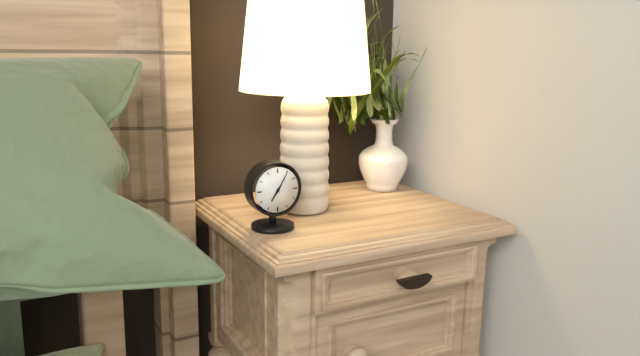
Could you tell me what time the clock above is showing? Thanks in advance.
7:05
